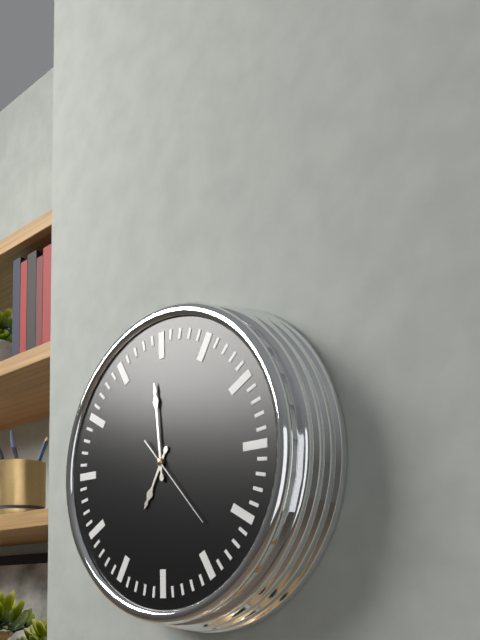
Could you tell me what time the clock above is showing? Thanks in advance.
6:59:23
